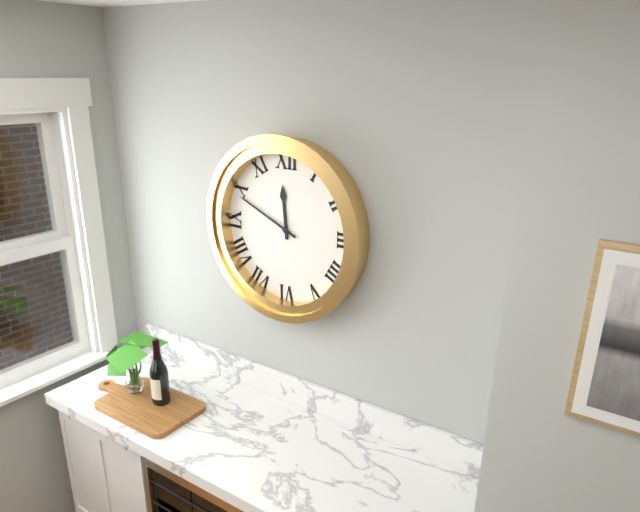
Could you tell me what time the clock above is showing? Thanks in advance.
11:49
